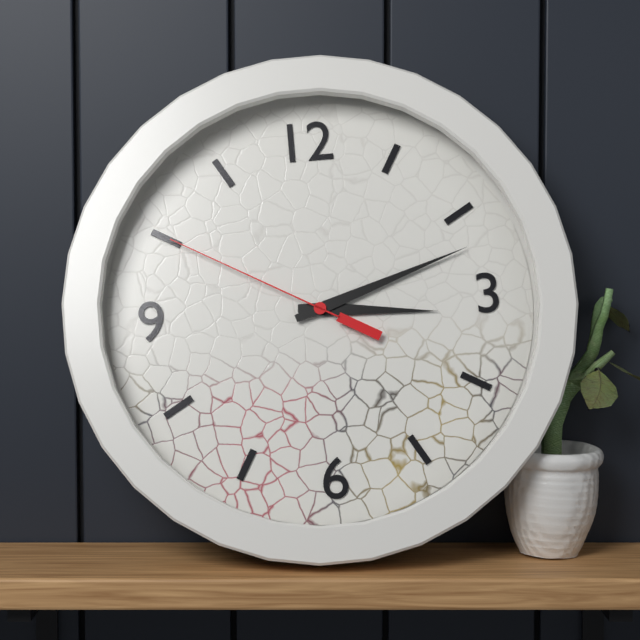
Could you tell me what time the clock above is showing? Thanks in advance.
3:12:50
